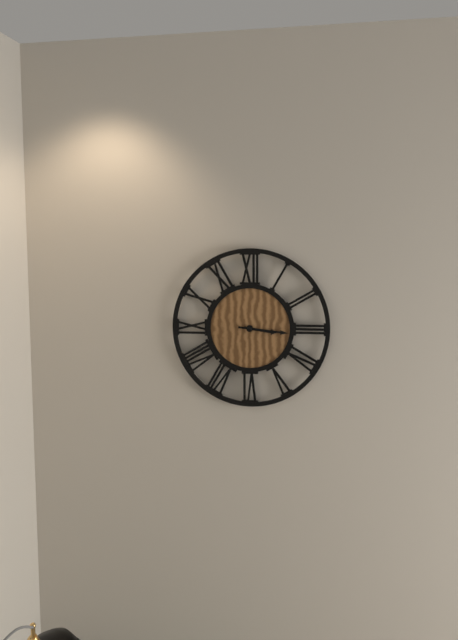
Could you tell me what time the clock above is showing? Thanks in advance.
3:16
